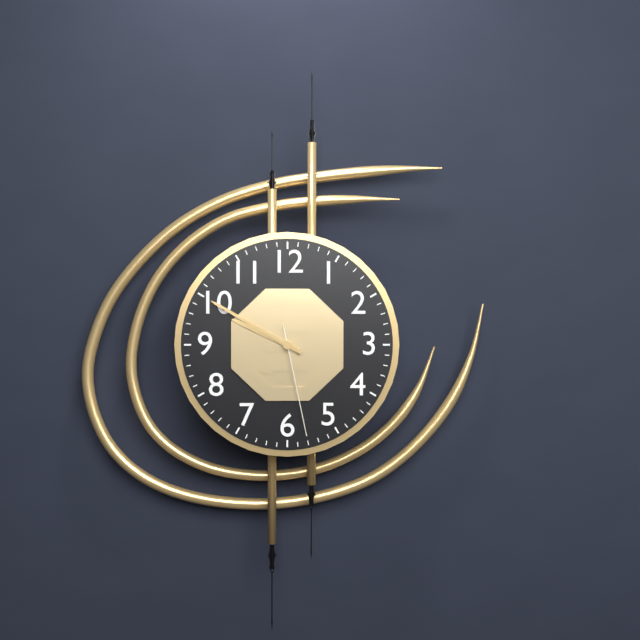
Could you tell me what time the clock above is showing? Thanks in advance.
9:50:28
